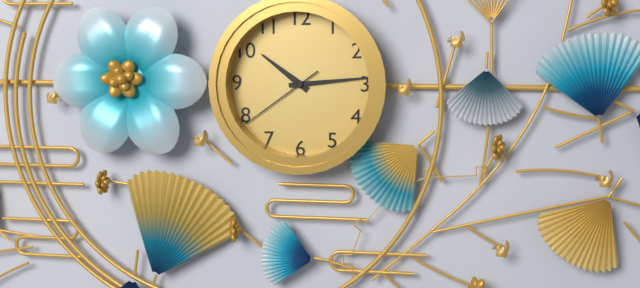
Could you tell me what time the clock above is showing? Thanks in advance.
10:14:39
